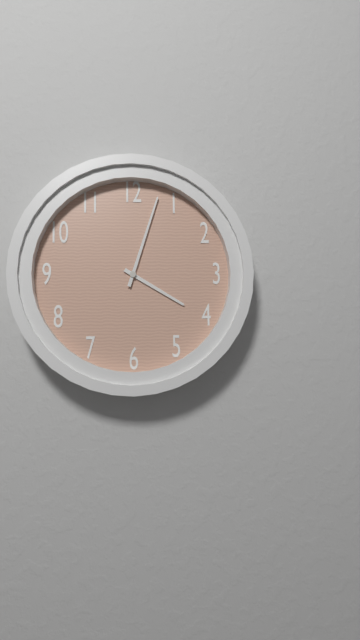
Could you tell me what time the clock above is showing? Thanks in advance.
4:03
